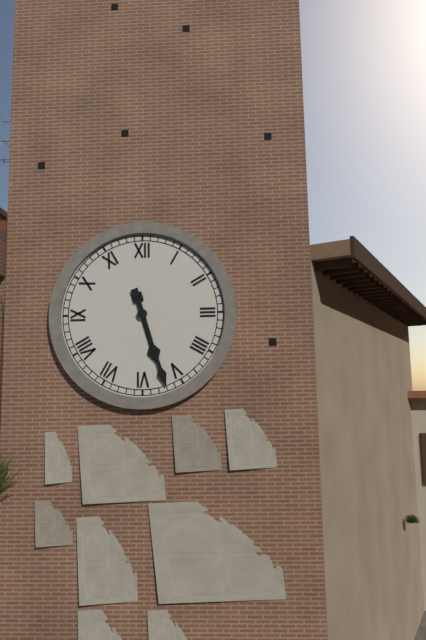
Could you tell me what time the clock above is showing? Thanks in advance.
5:27
